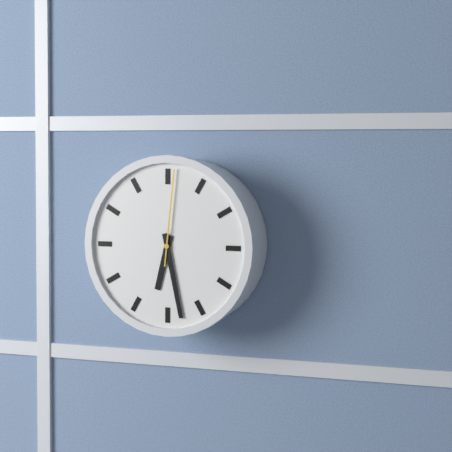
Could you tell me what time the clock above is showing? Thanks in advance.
6:28:01
